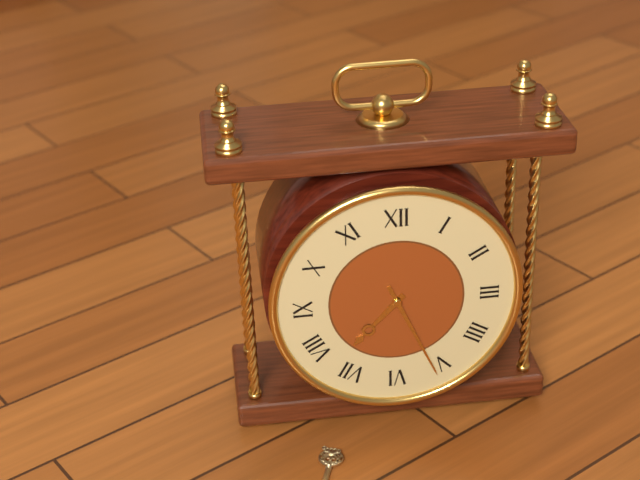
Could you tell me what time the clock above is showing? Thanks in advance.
7:26
